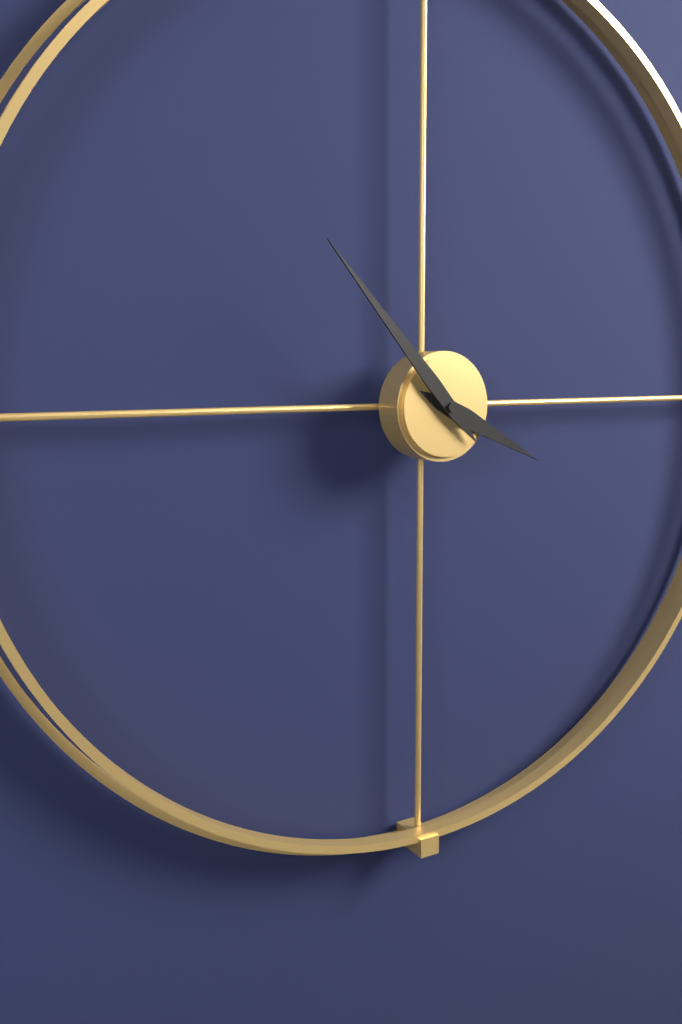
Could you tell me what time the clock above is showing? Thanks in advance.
3:53
